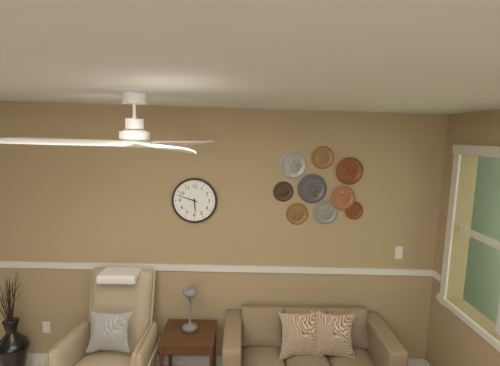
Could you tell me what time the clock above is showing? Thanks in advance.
5:48
